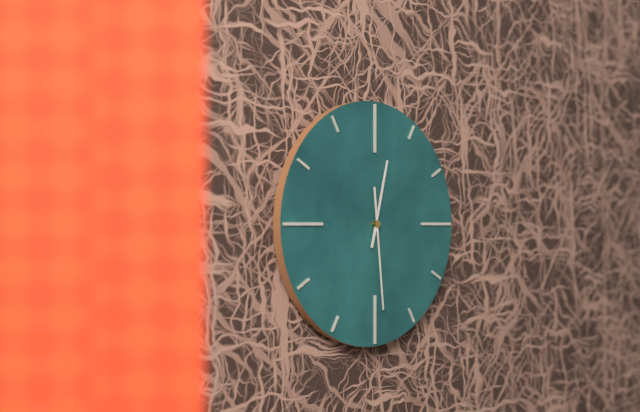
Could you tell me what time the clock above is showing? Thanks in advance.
12:29
